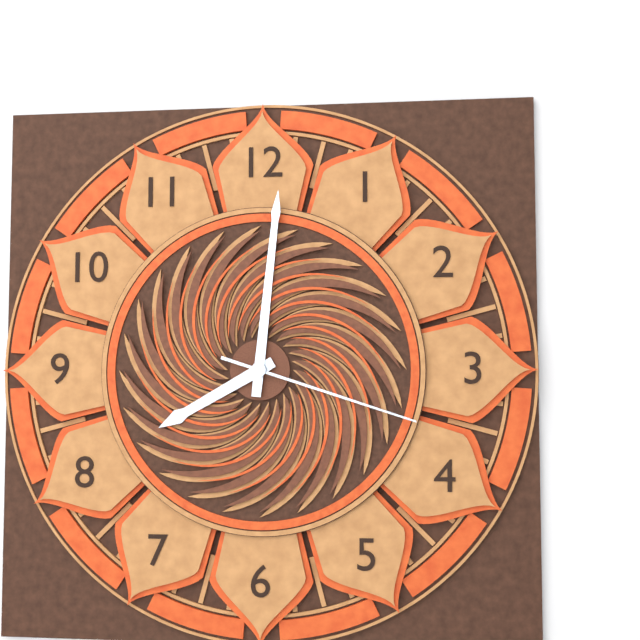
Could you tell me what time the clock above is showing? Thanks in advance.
8:01:18
